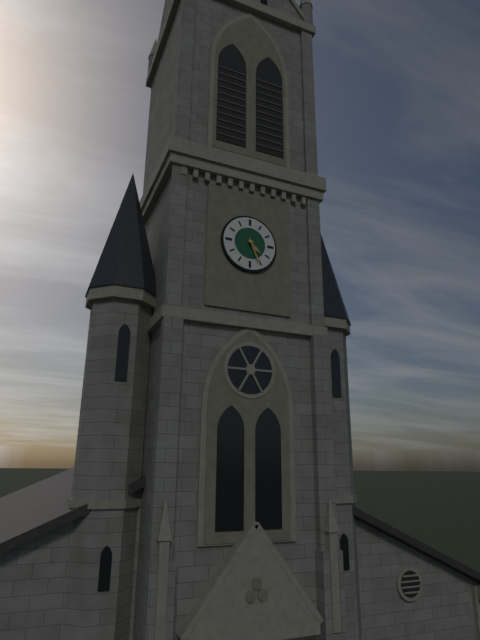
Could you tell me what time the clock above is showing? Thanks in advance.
4:26
